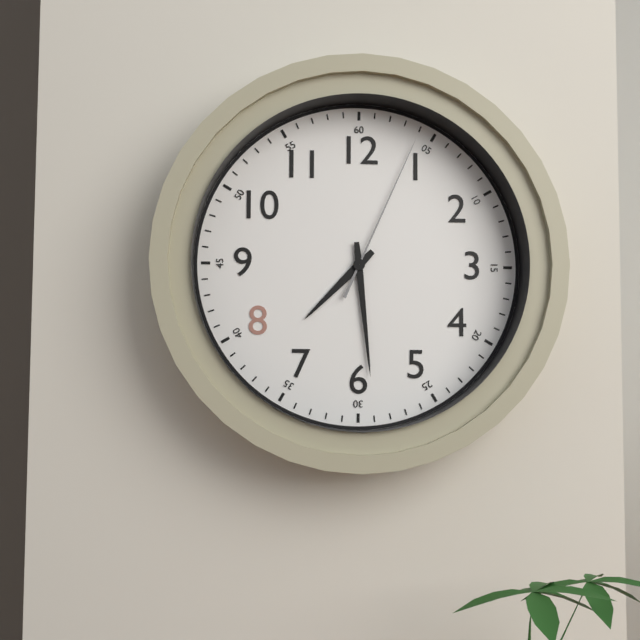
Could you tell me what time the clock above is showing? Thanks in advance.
7:29:04
